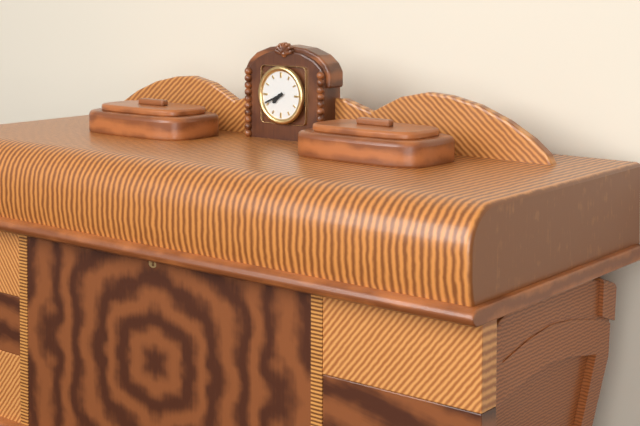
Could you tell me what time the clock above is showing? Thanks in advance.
7:41
